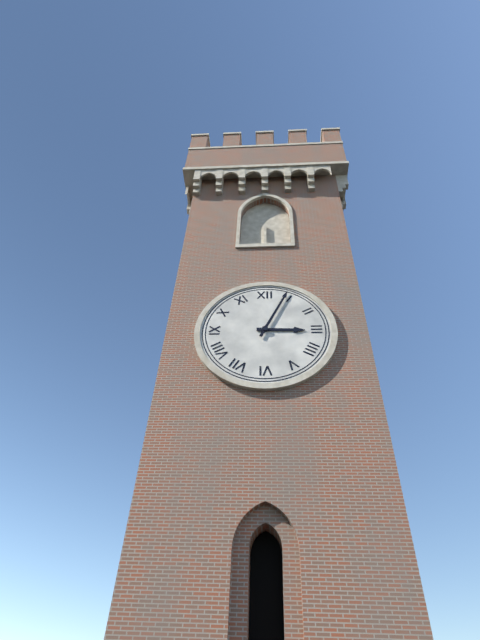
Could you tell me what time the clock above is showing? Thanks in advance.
3:04
